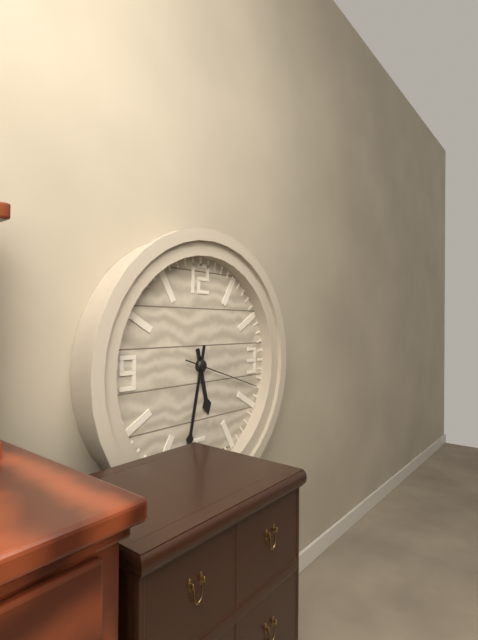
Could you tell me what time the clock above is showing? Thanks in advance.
5:32:18
